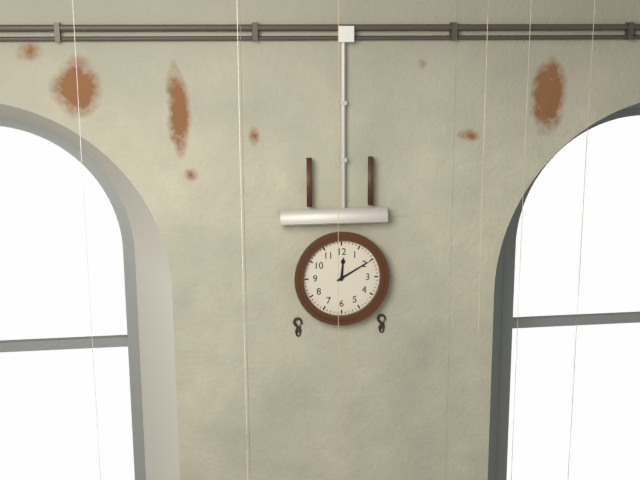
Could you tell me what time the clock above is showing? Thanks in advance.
12:10
